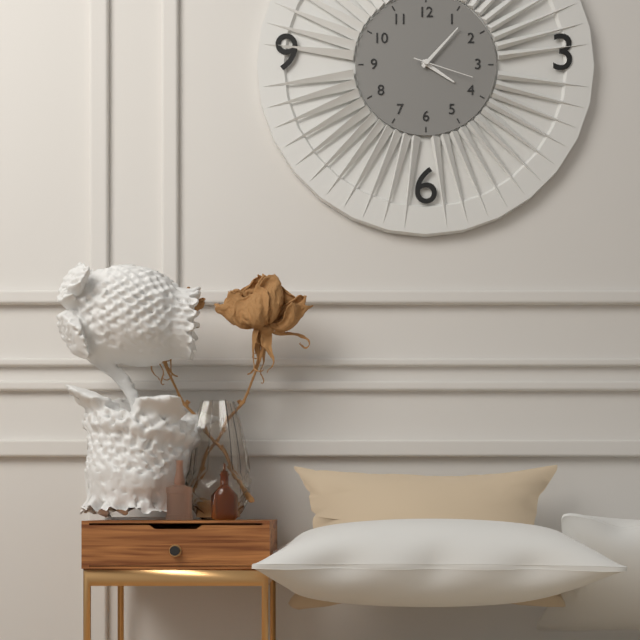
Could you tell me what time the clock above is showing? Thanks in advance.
4:07:18
